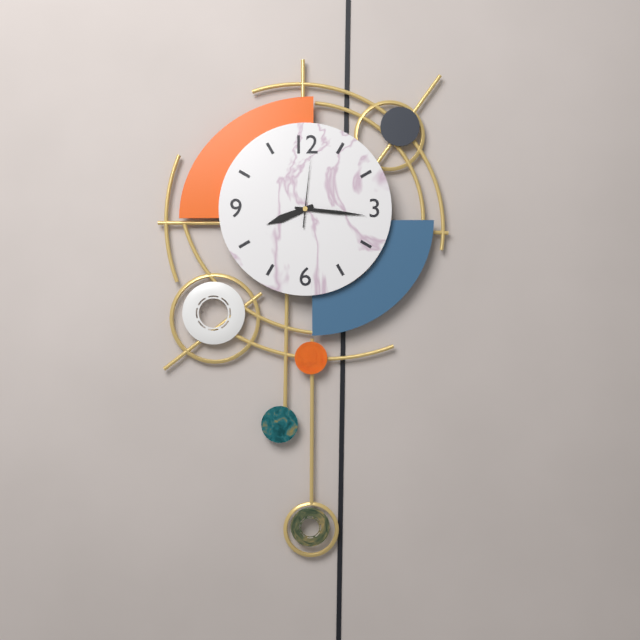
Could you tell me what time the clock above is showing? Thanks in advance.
8:16:01
